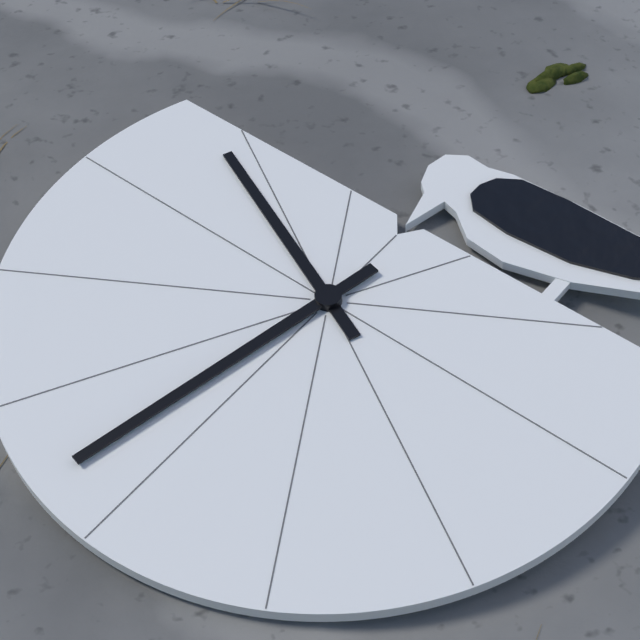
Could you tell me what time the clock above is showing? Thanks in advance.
12:47
